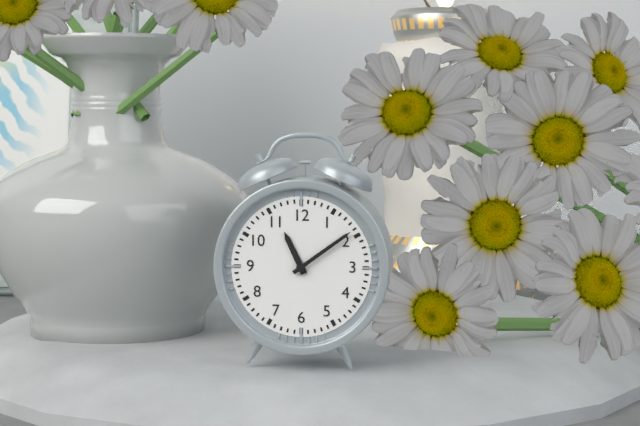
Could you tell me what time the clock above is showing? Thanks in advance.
11:09
